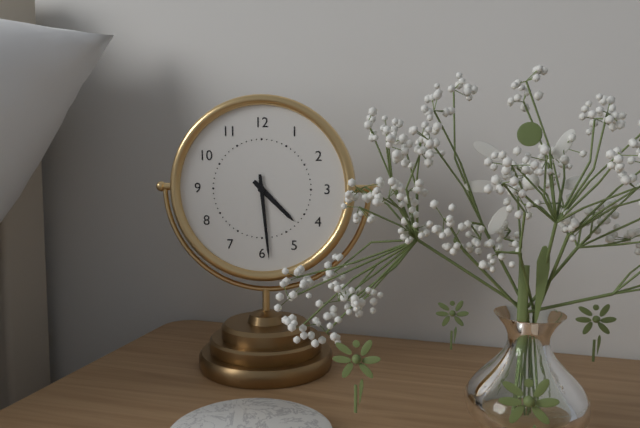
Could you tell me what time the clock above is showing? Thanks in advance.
4:29
